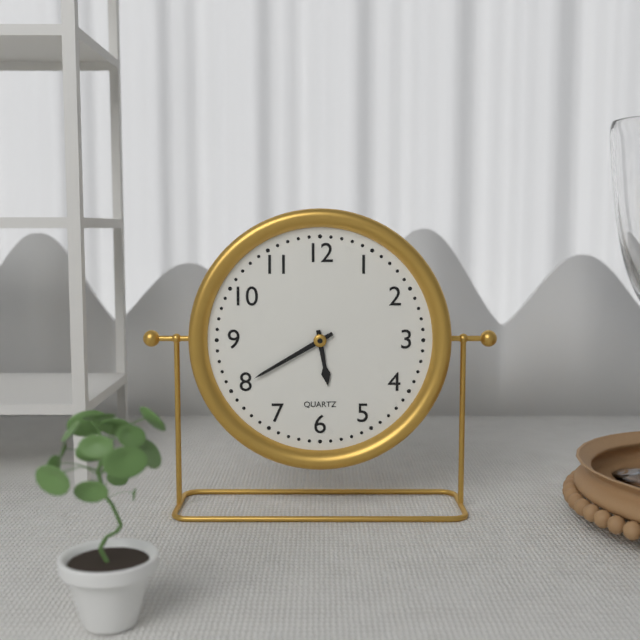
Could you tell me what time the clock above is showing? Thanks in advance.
5:40
